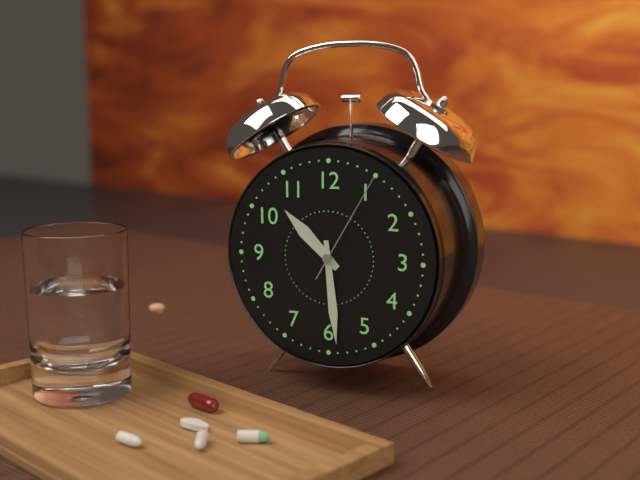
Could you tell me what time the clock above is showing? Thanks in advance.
10:29:05
